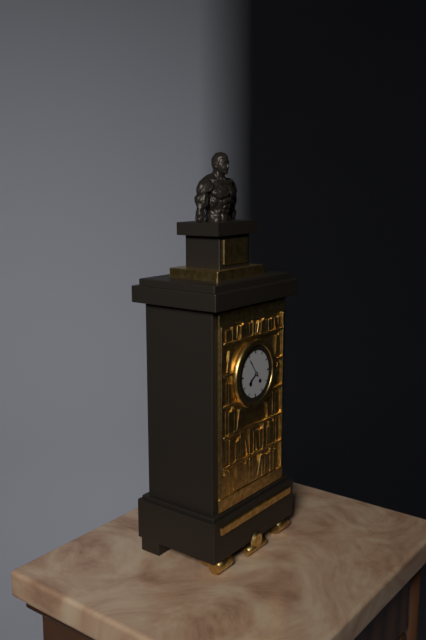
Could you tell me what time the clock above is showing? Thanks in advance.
7:54
